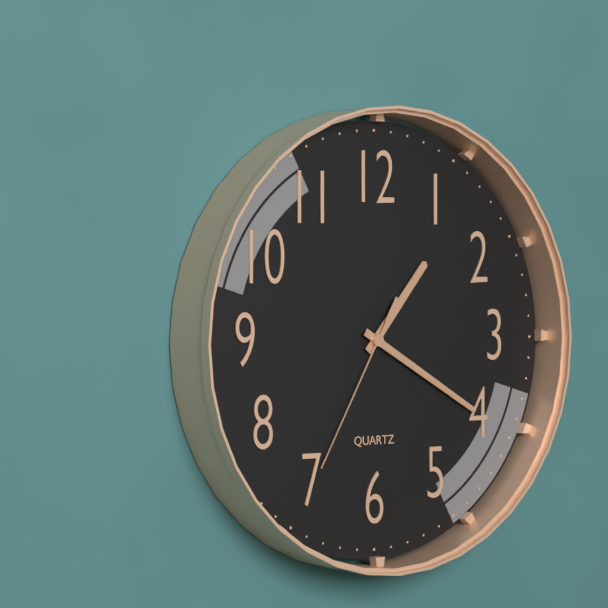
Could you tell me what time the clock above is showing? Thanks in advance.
1:20:35
